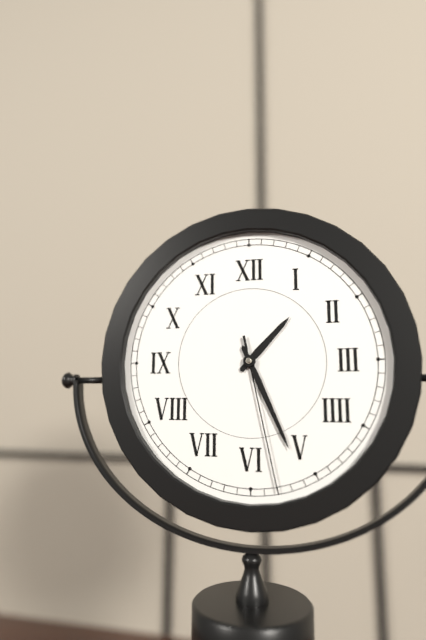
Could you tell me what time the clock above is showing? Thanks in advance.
1:26:28
